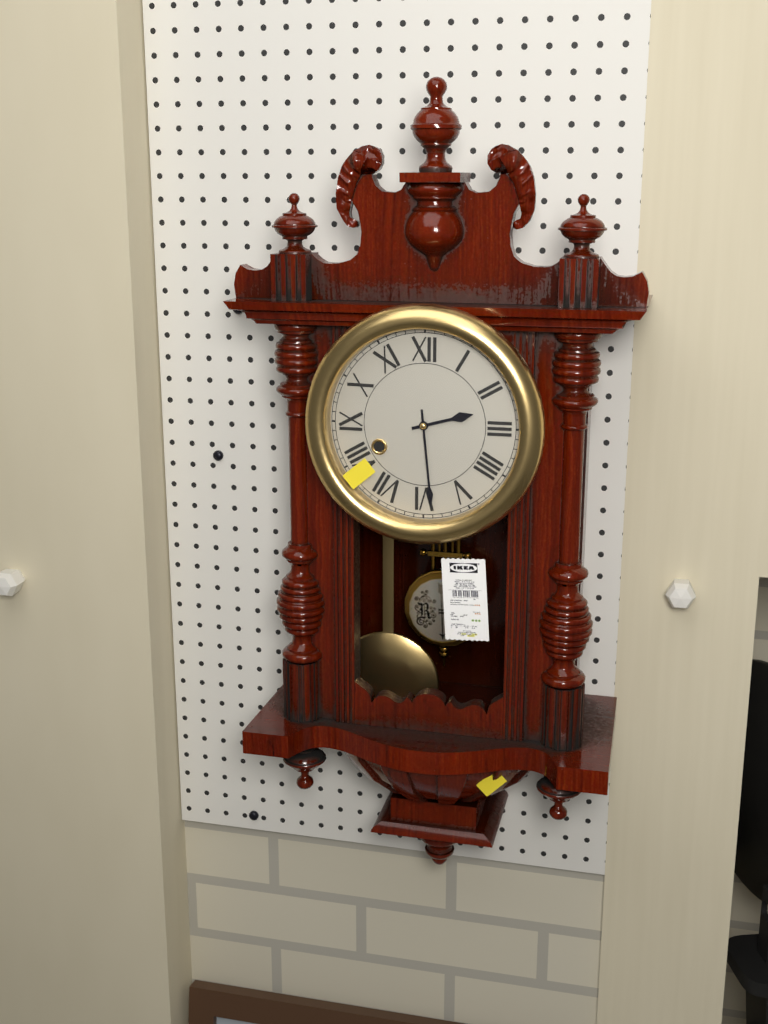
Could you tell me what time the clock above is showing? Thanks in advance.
2:29
